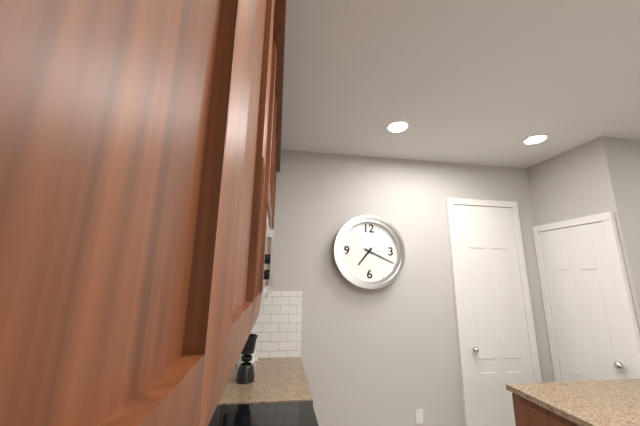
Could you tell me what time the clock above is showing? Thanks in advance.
7:19
